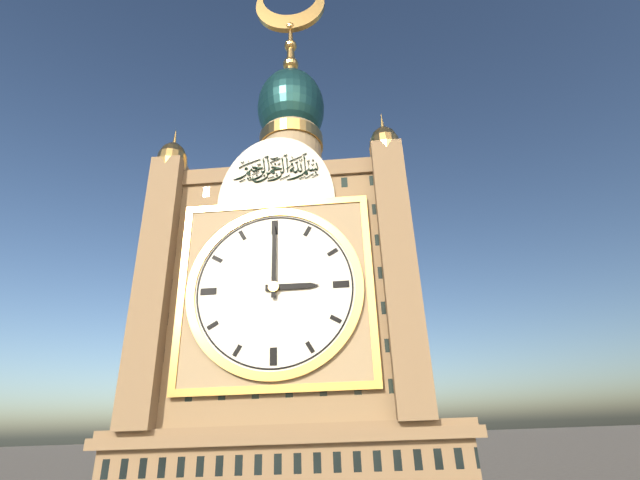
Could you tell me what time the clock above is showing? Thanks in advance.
3:00
